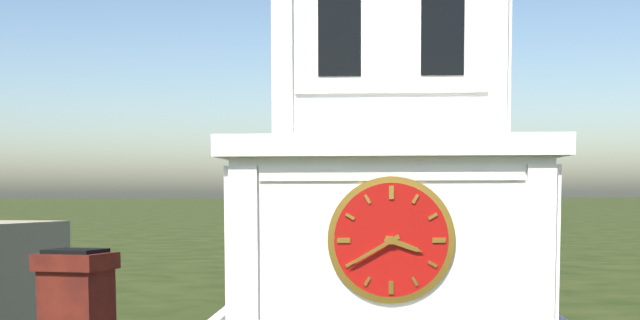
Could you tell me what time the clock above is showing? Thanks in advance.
3:40
